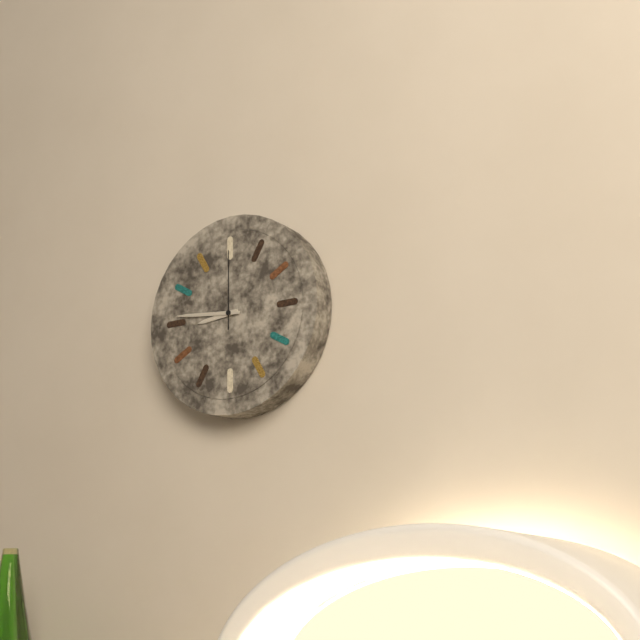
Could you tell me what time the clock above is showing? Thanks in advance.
8:46:00
